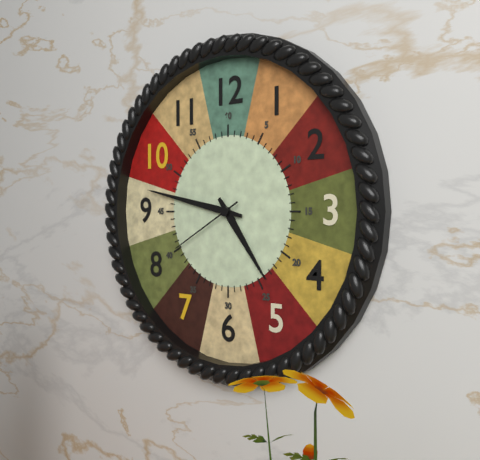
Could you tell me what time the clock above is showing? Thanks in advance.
4:47:40
